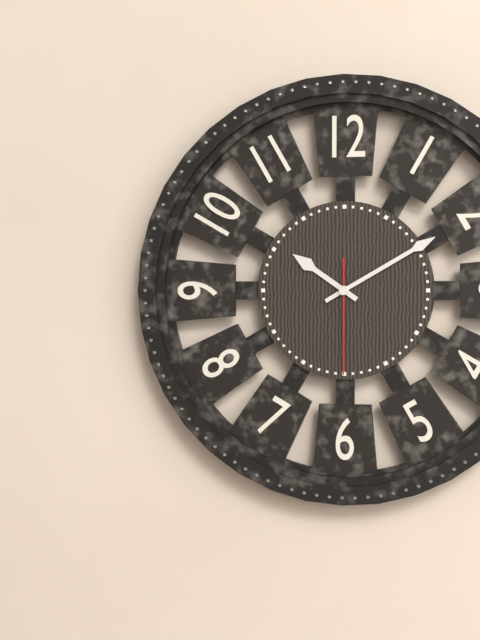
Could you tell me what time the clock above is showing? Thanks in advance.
10:10:30
